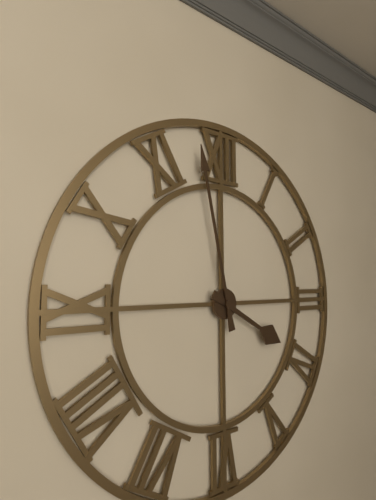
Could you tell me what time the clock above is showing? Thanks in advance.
3:58
